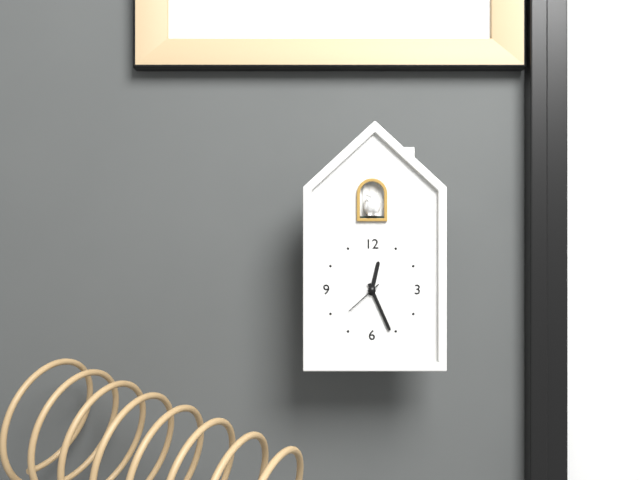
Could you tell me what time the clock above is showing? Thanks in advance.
12:26
